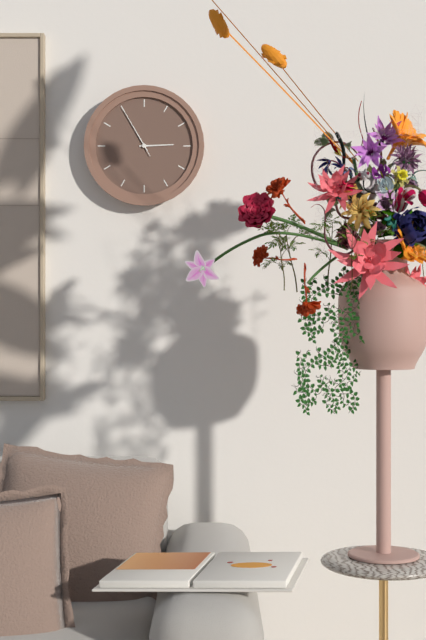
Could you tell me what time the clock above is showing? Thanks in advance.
2:55:55
